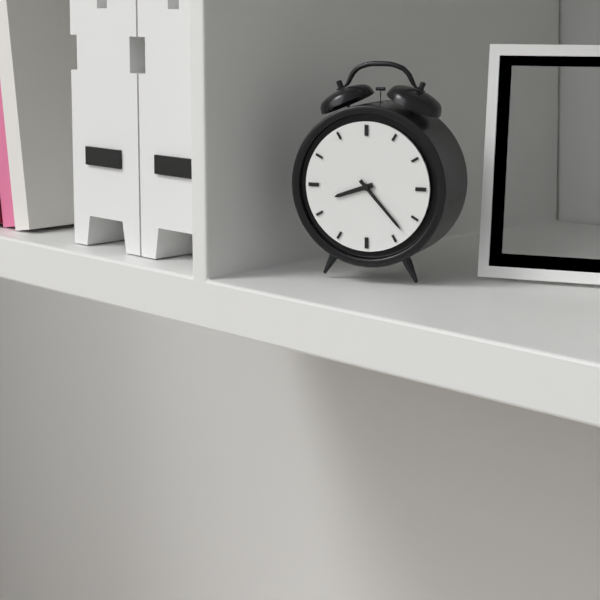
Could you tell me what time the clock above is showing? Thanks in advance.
8:23
